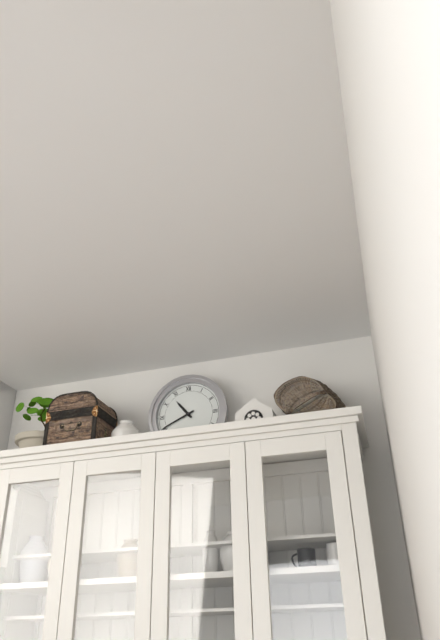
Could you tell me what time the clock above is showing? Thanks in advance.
10:41
